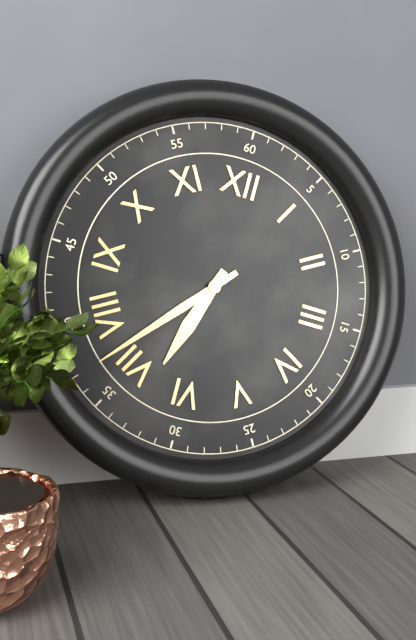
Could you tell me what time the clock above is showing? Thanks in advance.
6:37
